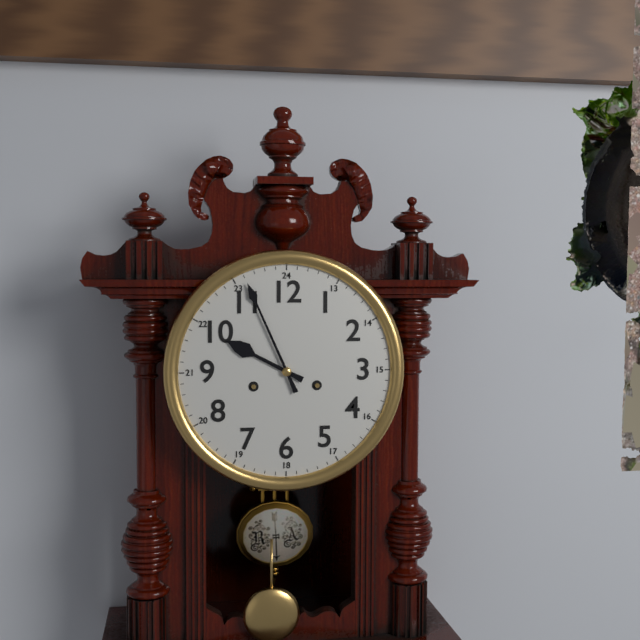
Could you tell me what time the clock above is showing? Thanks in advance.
9:56
